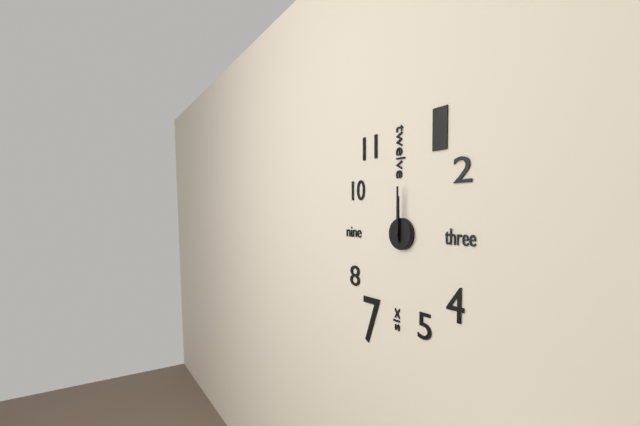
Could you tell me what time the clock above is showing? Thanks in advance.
12:00
